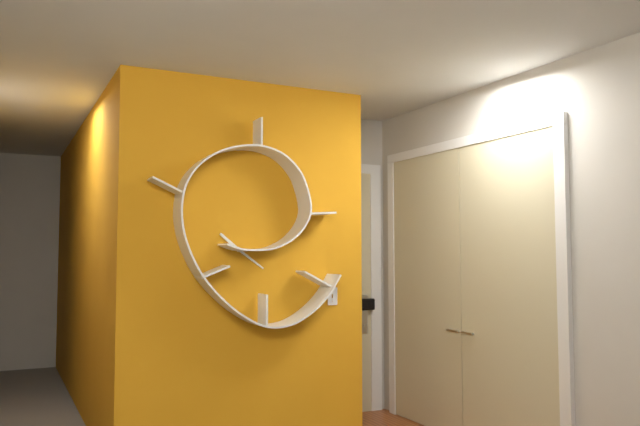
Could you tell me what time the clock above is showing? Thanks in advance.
10:21
